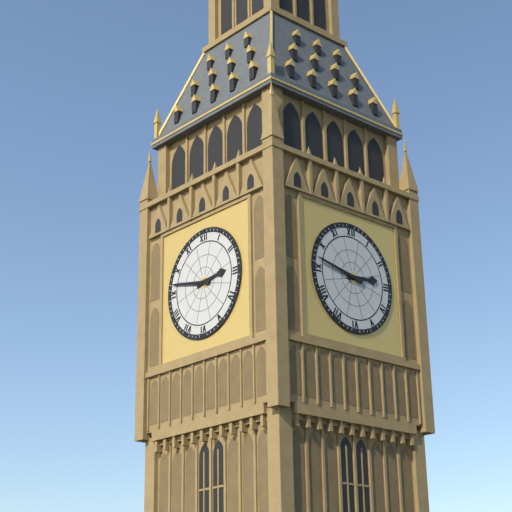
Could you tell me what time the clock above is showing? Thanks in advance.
2:47
